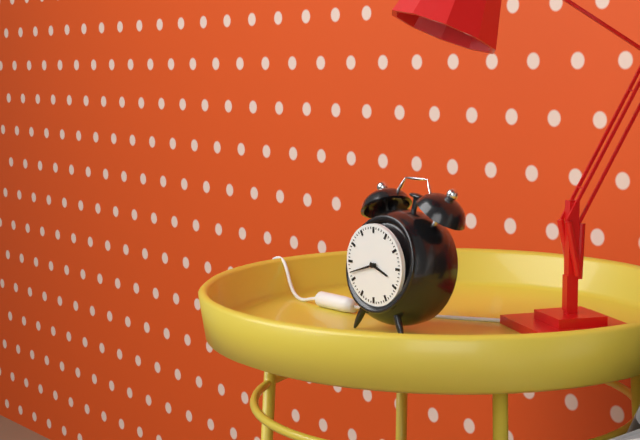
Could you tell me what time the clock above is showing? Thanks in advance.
3:42
